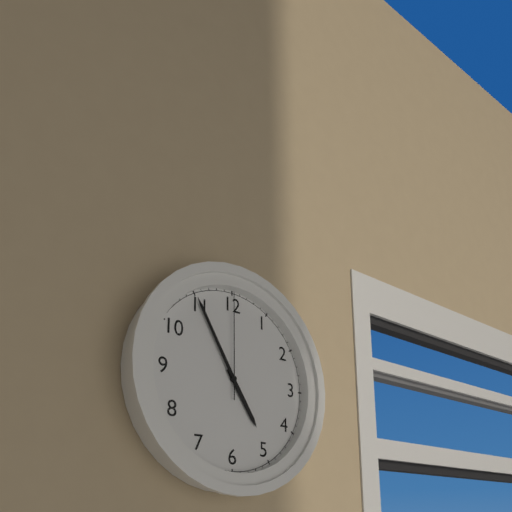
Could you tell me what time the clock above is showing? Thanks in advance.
4:55:00
